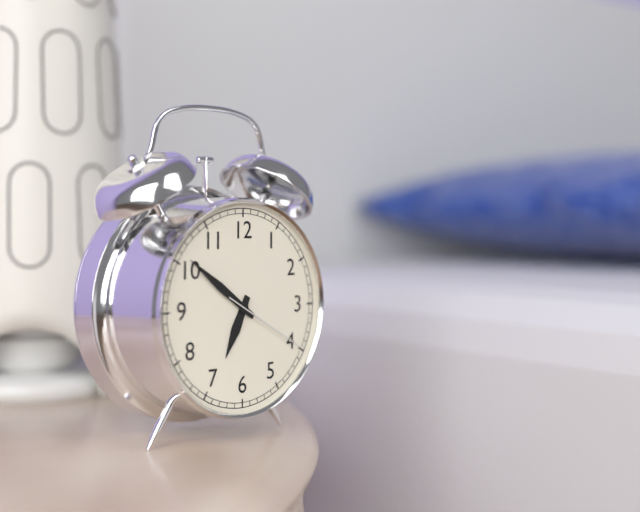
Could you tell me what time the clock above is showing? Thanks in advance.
6:51:20
